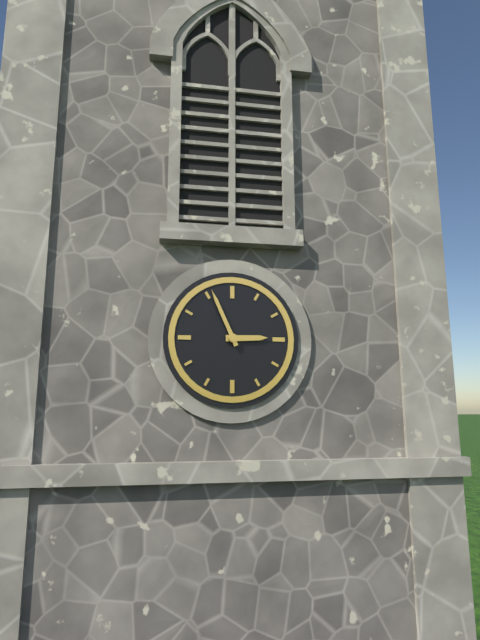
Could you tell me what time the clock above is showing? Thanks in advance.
2:56
